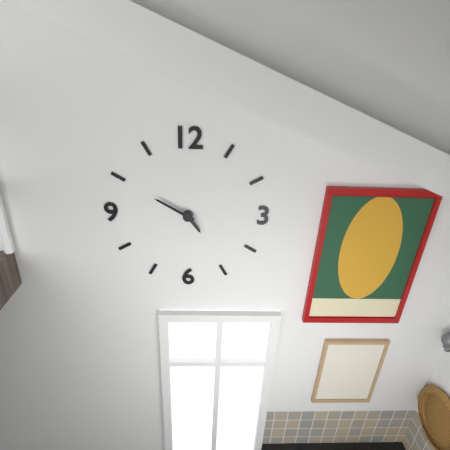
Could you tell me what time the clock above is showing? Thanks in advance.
4:50
